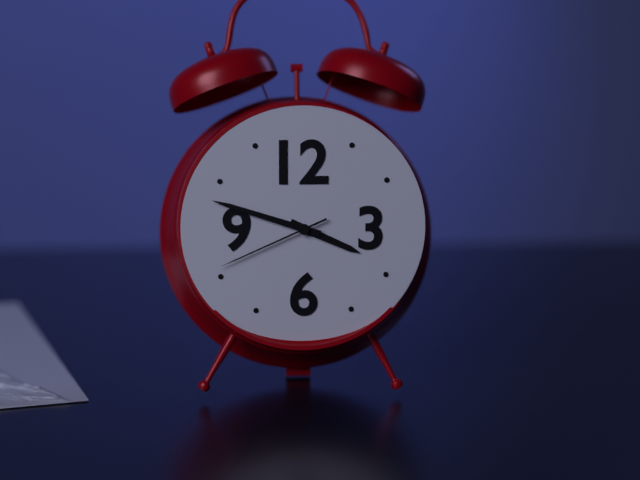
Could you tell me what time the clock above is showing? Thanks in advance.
3:48:41
